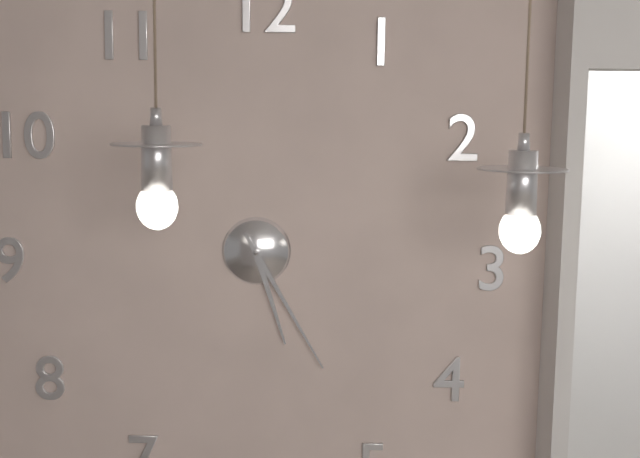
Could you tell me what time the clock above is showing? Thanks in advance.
5:25
